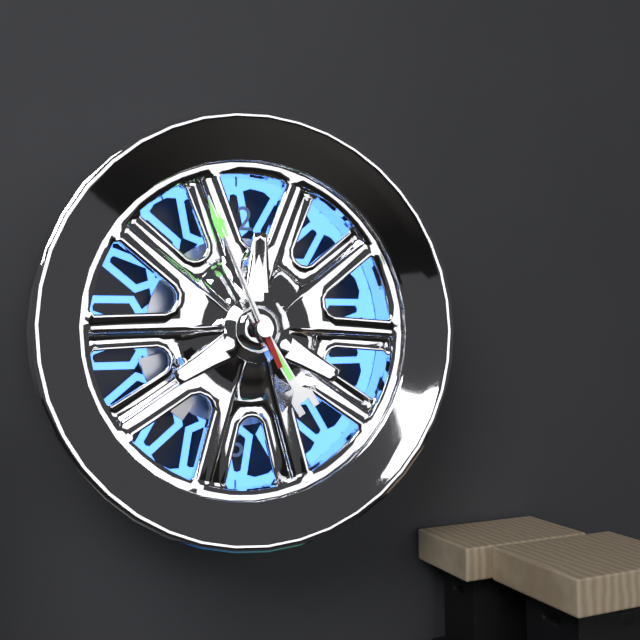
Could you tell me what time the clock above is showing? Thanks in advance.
4:56:56
